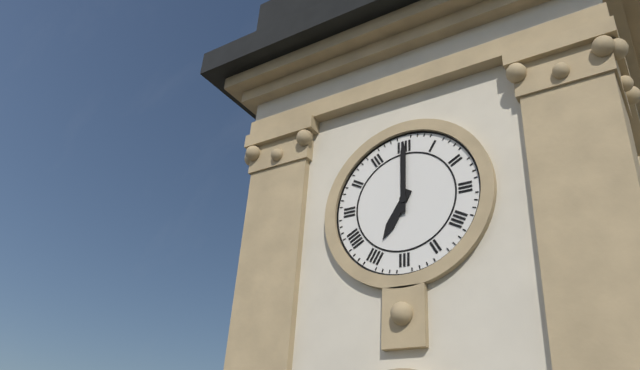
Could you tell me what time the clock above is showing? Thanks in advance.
7:00
